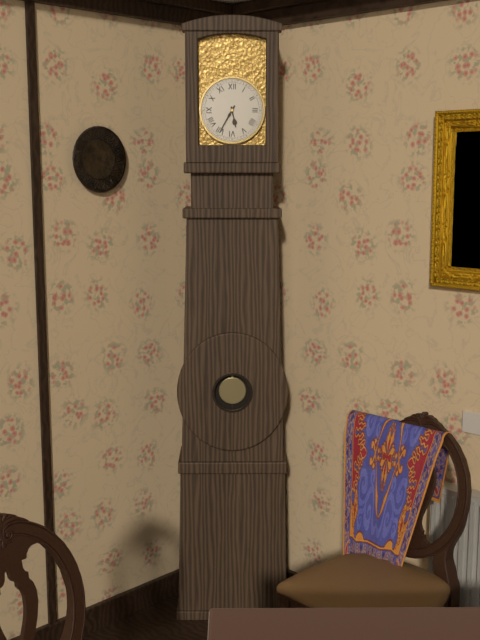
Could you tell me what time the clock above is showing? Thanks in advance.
5:35
